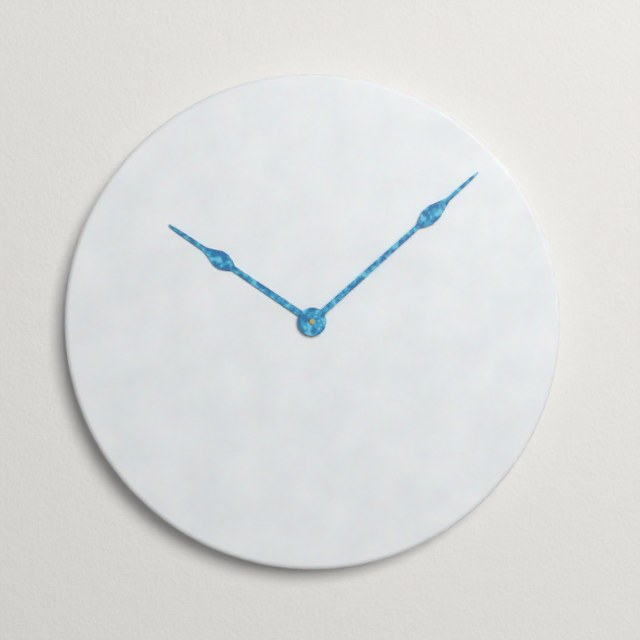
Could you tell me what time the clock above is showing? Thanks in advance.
10:08
